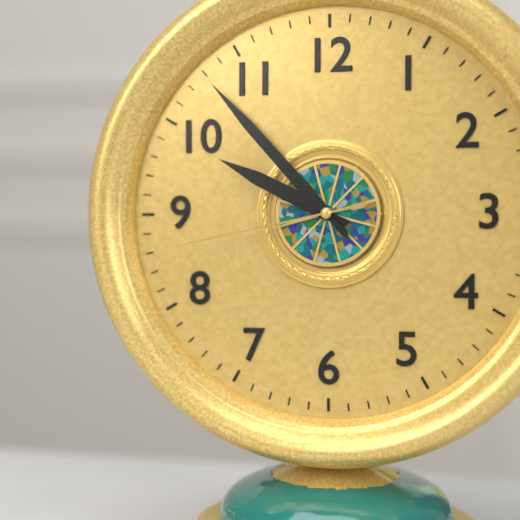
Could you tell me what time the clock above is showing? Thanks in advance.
9:53:43
